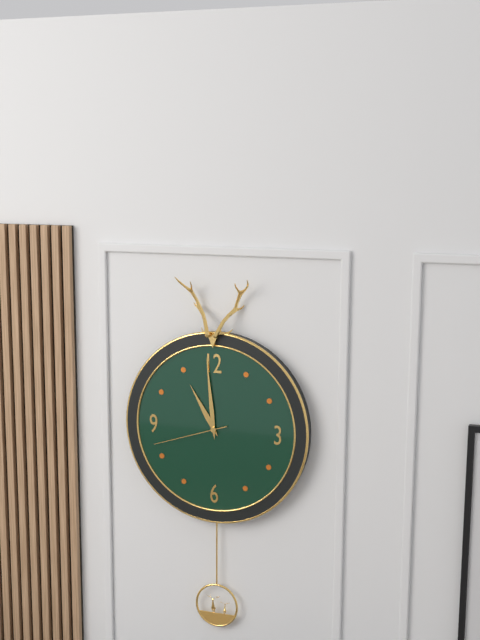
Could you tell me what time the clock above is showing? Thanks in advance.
10:59:42
